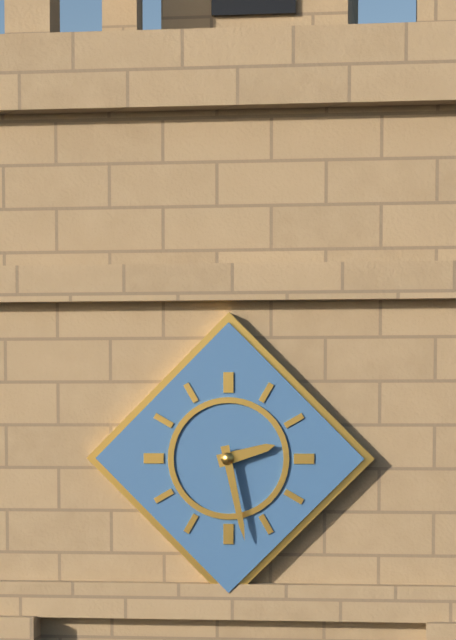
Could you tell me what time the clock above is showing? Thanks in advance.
2:28
